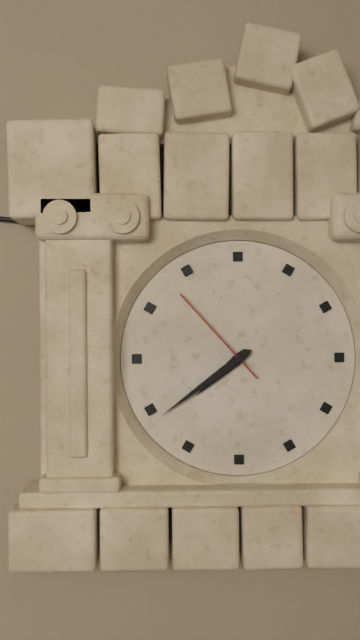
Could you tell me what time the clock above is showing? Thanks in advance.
7:39:53
